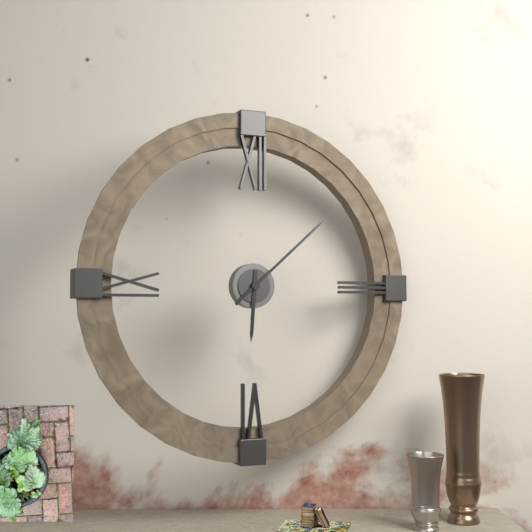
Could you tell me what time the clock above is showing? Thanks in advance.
6:08
